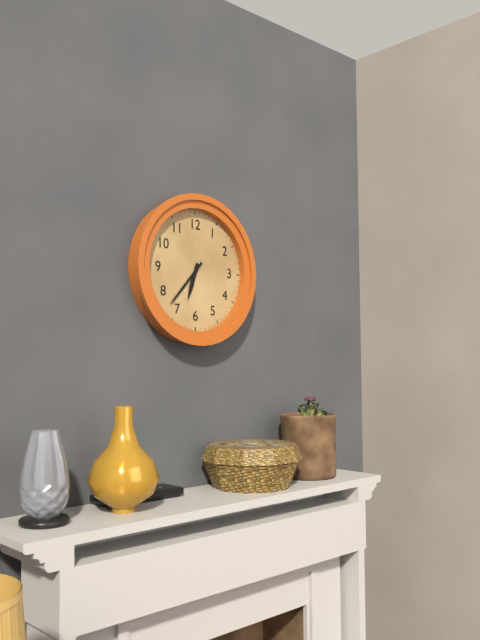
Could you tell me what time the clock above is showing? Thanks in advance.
6:37
